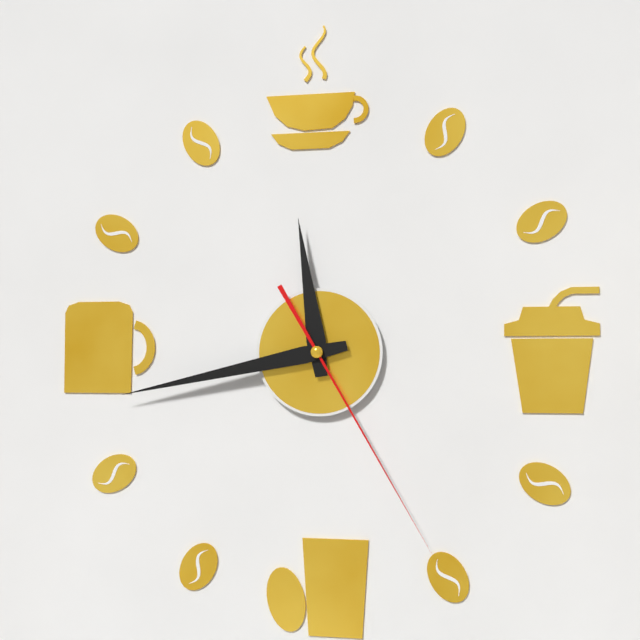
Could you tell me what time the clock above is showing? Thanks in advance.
11:43:25
